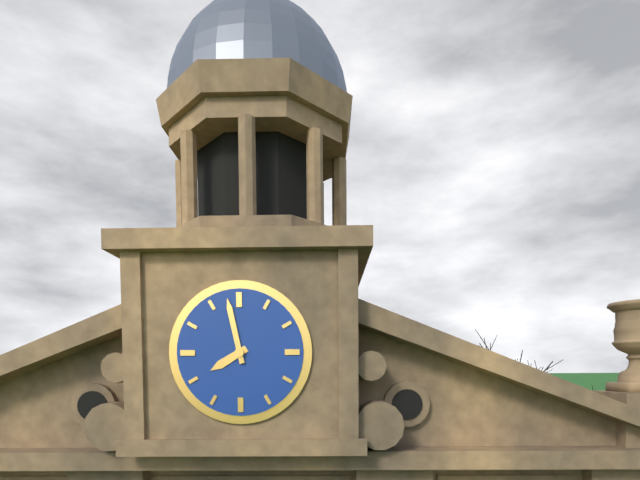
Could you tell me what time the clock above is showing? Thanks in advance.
7:58
